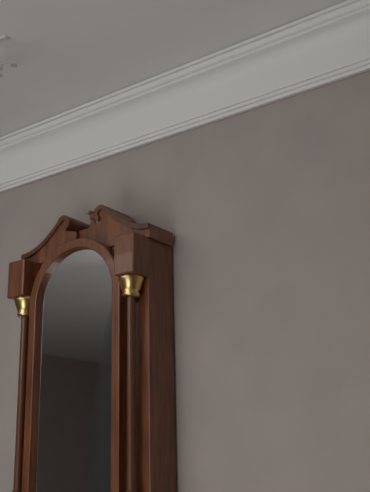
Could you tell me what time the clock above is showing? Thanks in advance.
3:43
